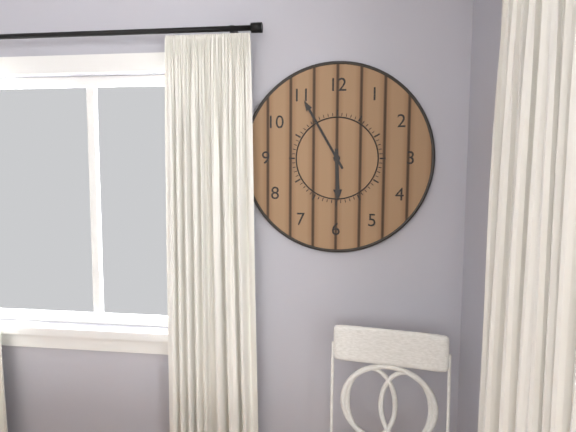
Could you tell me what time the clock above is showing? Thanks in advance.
5:55
